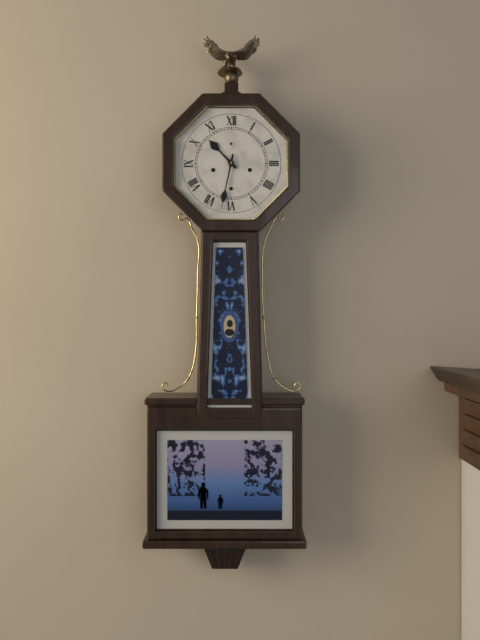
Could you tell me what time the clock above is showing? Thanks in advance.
10:32
